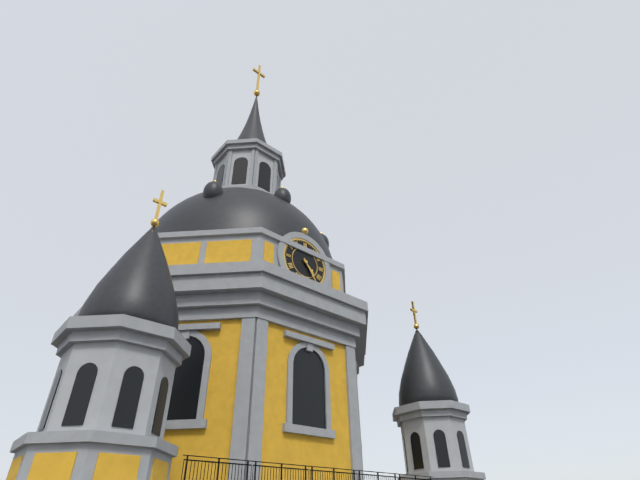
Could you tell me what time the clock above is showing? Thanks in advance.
4:24
